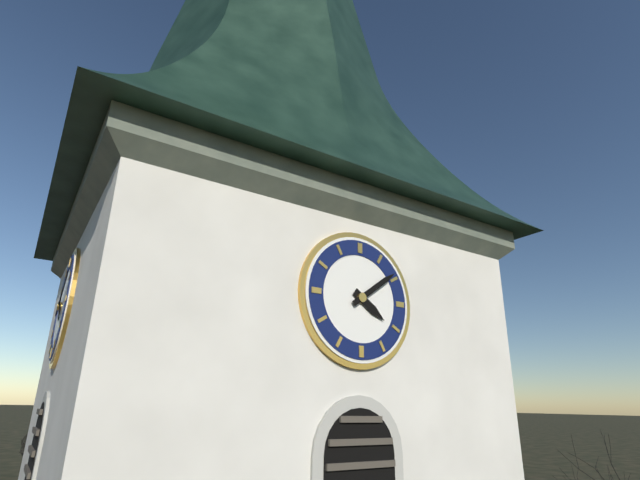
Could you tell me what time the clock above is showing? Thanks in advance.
4:09
